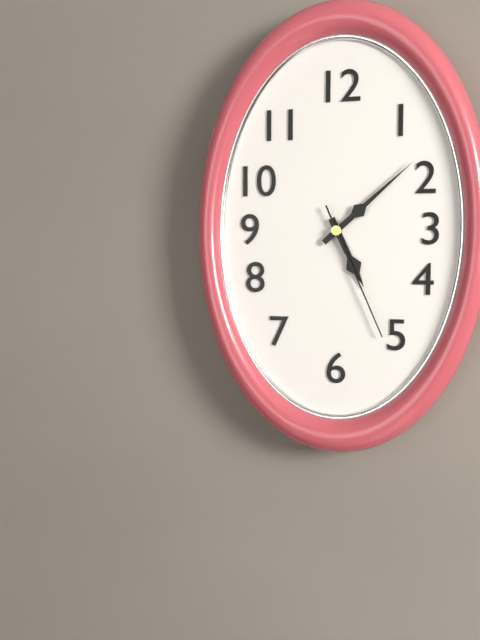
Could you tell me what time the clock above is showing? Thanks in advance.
5:08:26
